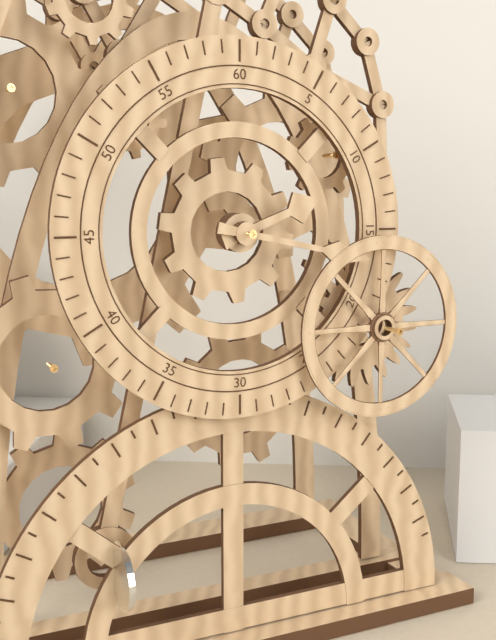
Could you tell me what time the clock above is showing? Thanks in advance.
2:17
